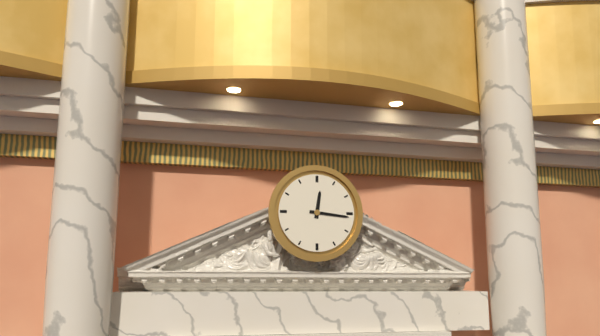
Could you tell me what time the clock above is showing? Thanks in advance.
12:16
